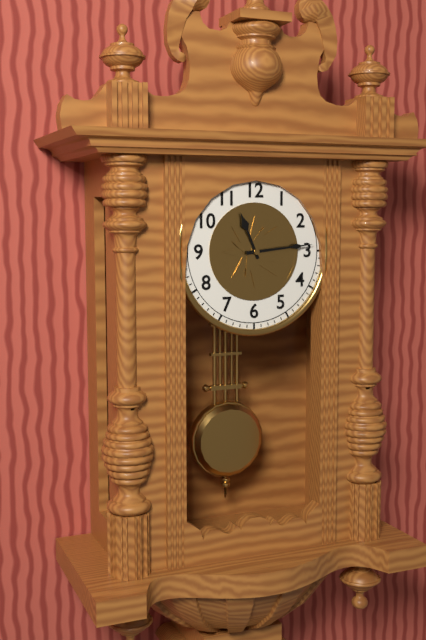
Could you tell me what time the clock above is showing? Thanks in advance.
11:14
